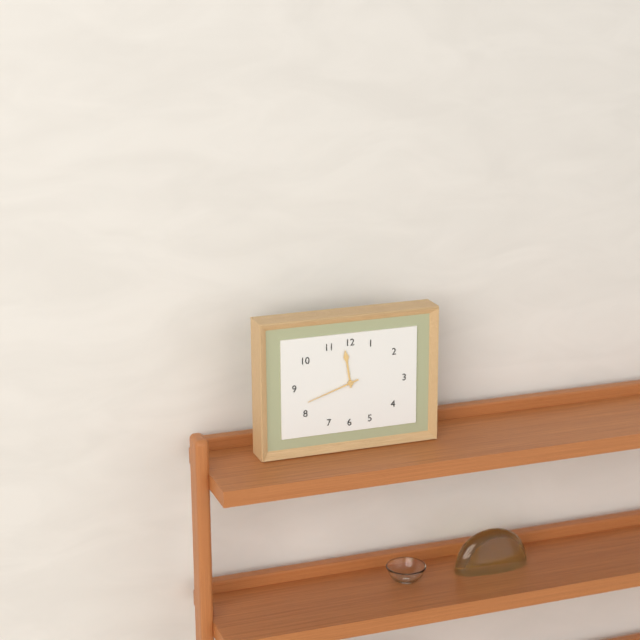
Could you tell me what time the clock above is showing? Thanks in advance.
11:42
